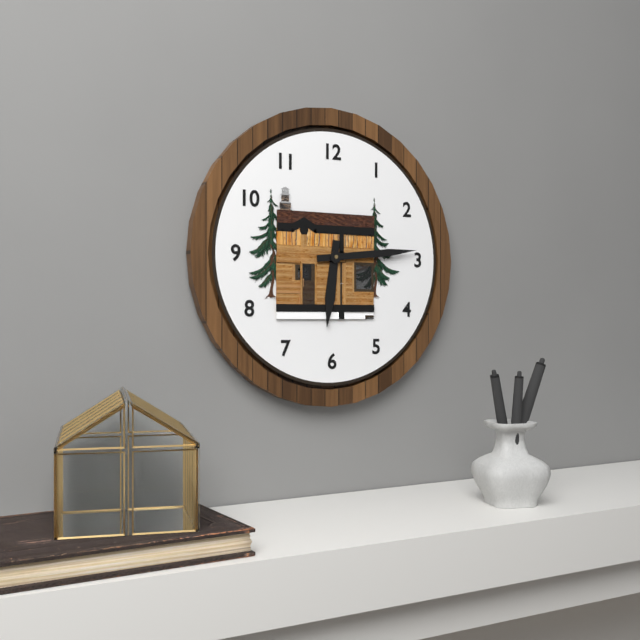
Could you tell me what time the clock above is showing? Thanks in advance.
6:14
